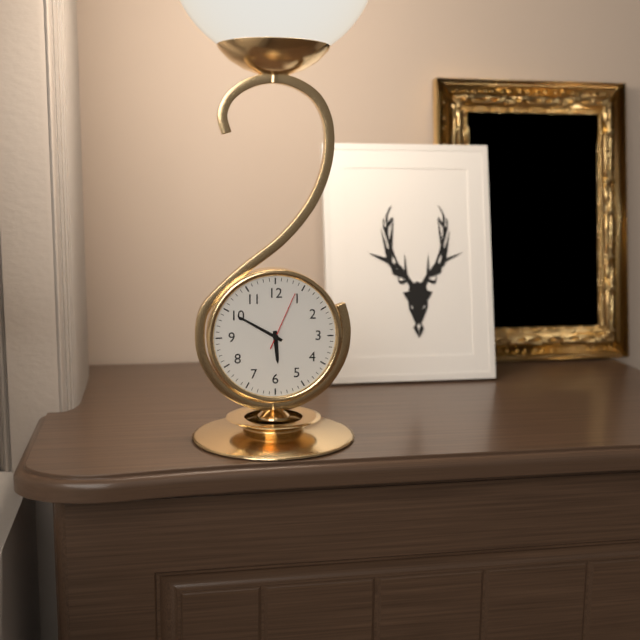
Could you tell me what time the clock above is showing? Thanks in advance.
5:50:04
